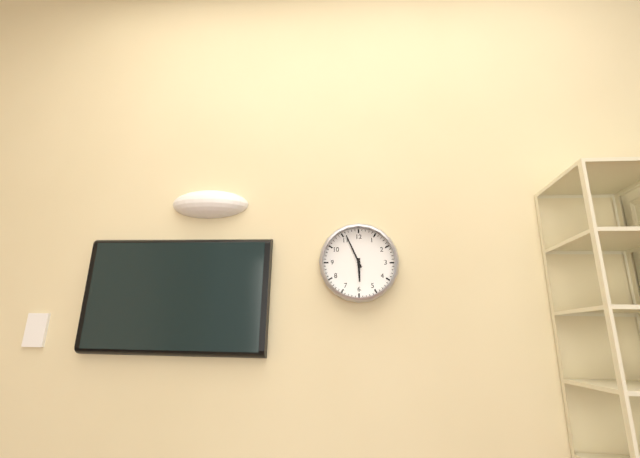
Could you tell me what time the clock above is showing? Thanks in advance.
5:56
